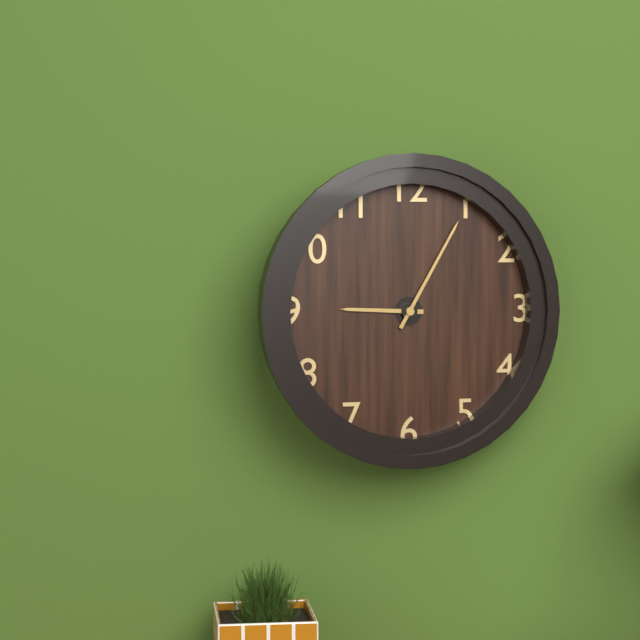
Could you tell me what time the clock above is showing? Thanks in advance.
9:05
